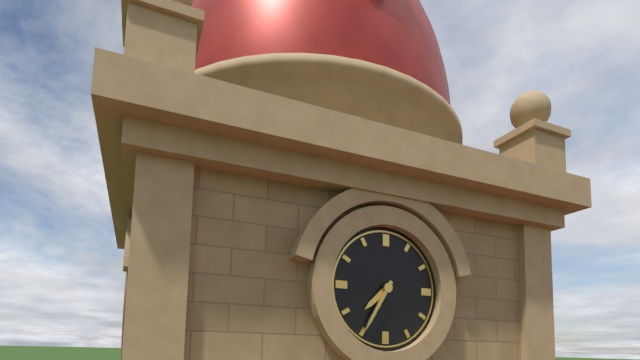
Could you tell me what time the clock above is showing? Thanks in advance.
7:35
